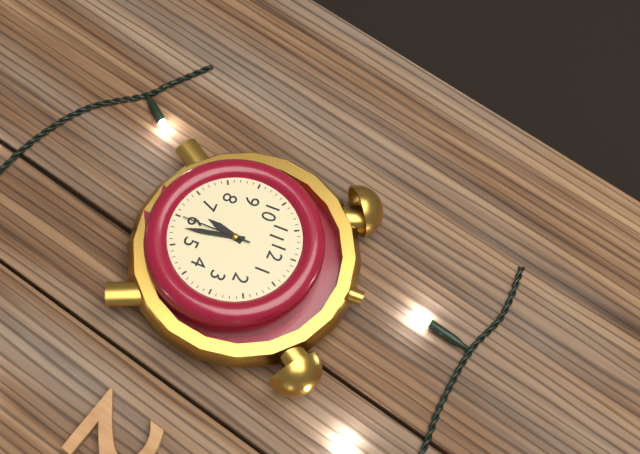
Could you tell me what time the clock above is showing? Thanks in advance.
6:28:30
